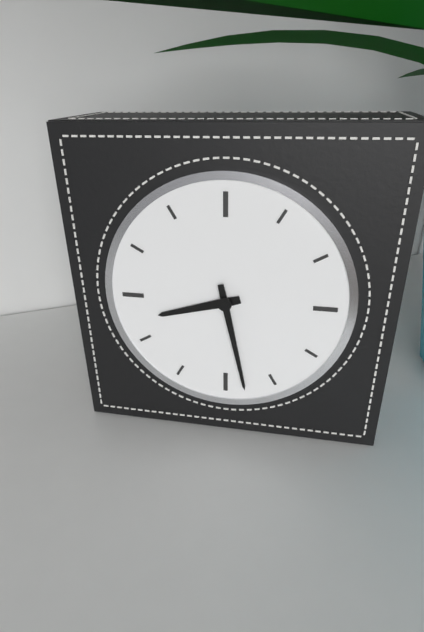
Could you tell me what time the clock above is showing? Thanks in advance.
8:28
